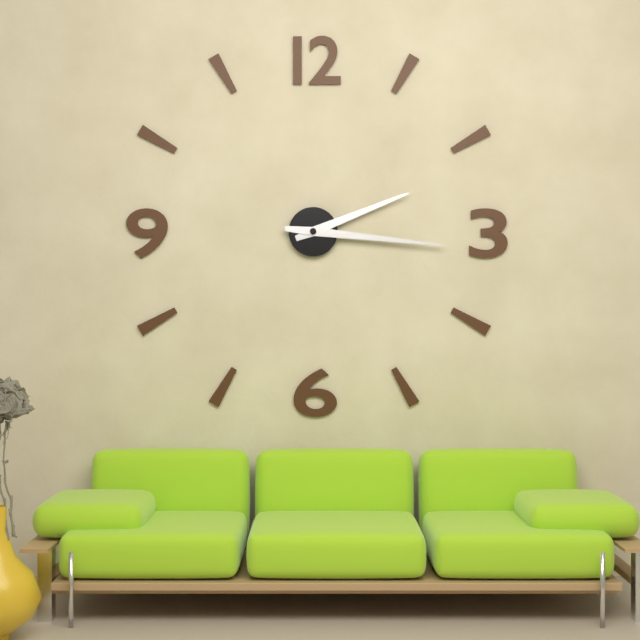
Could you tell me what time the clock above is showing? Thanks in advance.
2:16
